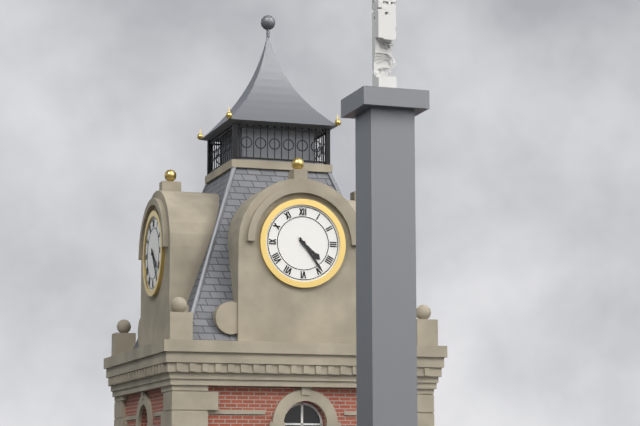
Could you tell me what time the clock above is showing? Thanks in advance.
4:24
